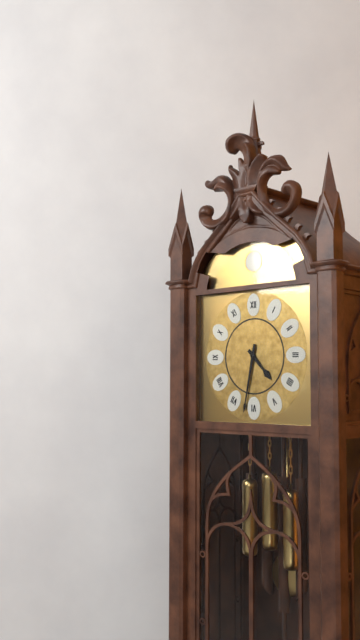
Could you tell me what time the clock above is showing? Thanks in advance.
4:32
